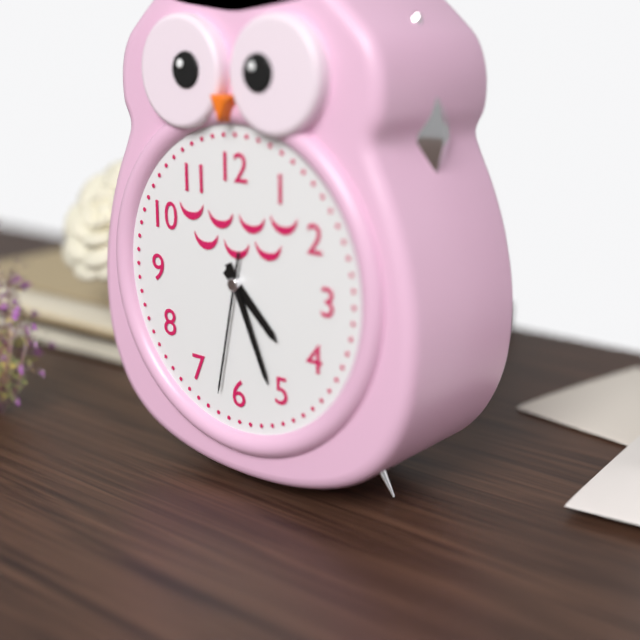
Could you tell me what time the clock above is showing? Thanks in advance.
4:26:32
